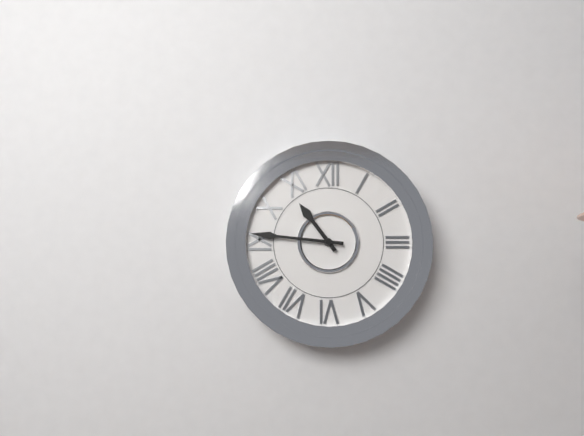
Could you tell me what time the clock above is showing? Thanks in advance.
10:46
